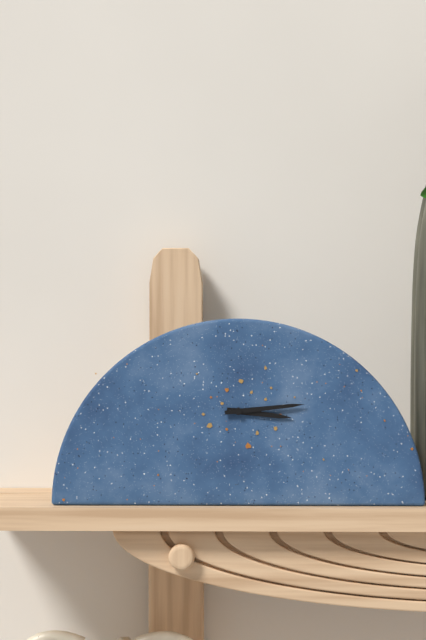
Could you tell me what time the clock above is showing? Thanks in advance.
3:14
